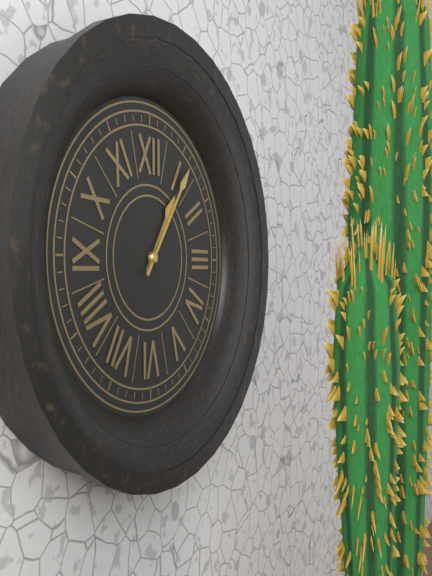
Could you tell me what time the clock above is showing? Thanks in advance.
1:06
